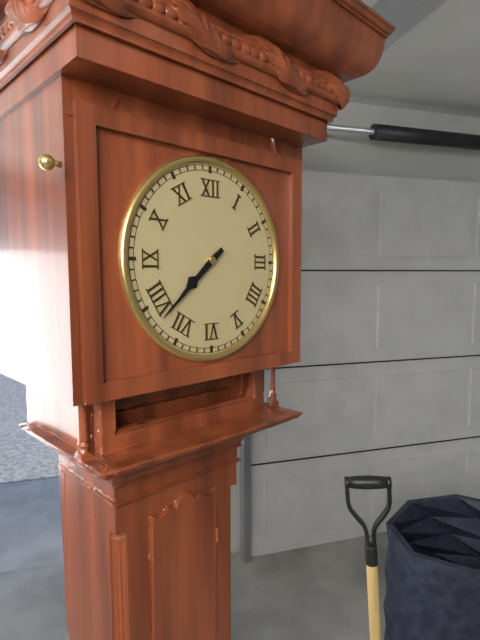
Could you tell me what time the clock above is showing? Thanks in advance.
7:38
